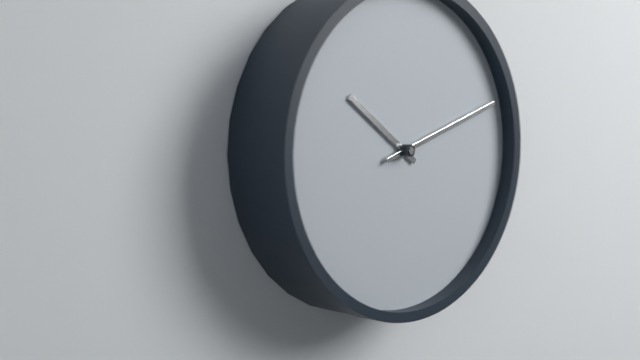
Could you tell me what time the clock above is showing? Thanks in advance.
10:12
